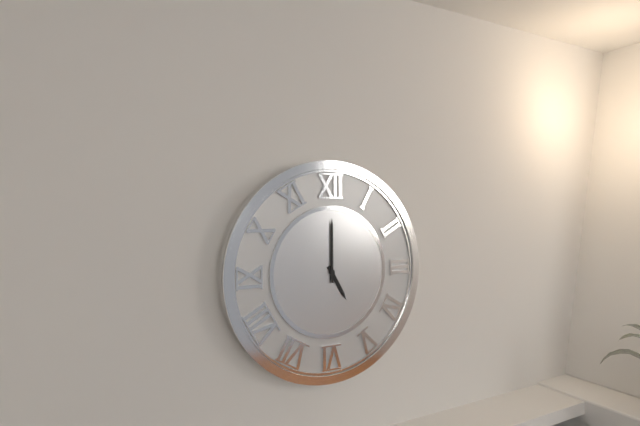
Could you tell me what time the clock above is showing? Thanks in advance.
5:00
